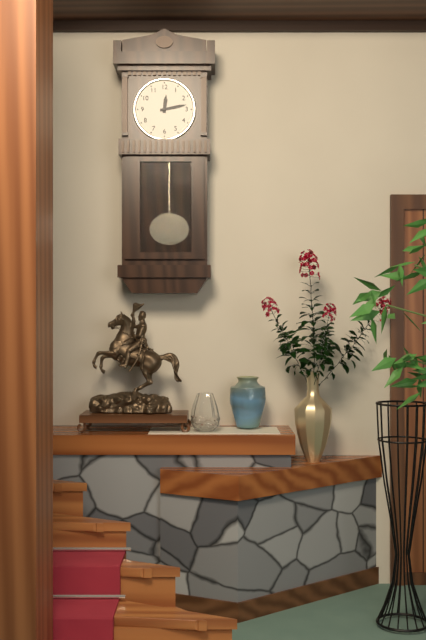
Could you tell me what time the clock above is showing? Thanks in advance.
12:13
